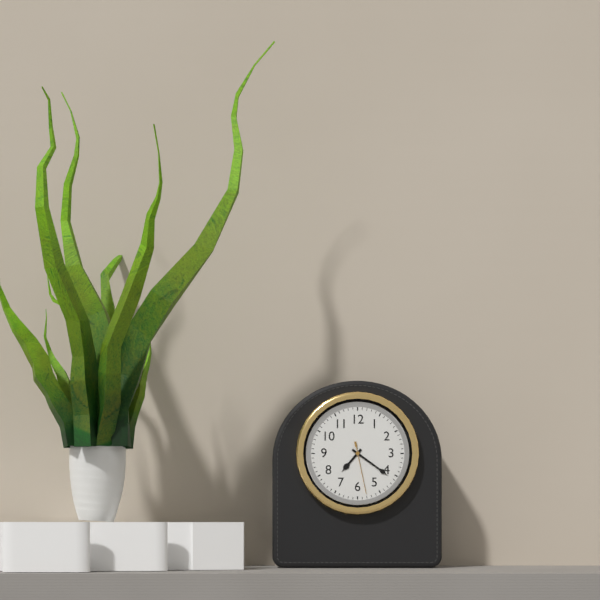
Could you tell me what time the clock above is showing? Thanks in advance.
7:21:28
